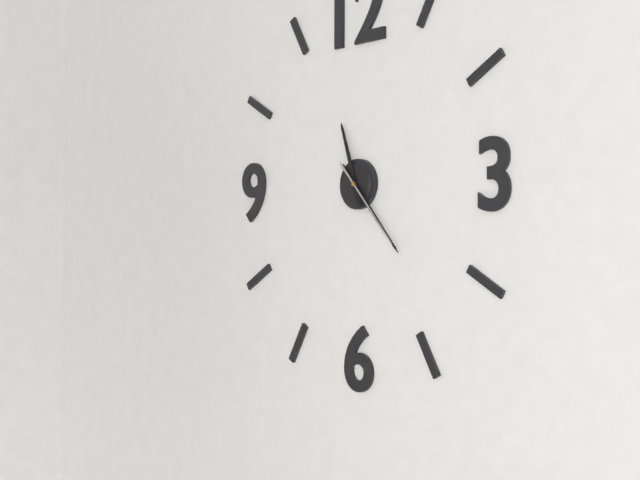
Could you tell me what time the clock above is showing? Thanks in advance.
11:23:23
